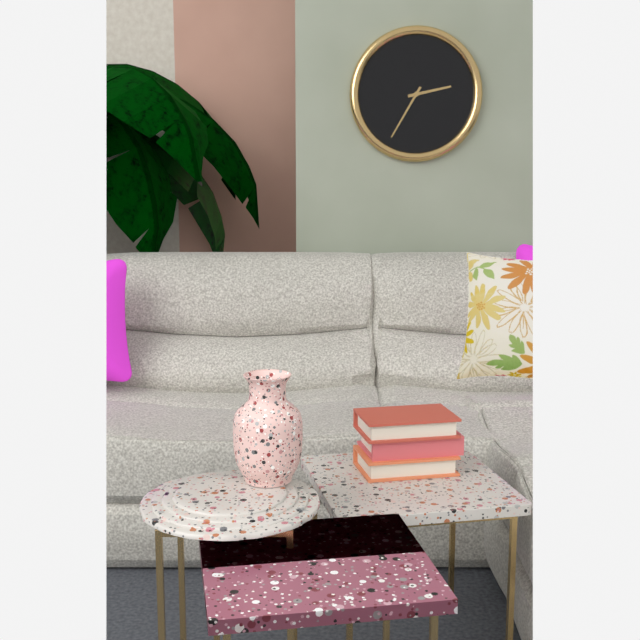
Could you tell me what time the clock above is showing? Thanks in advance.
2:35
